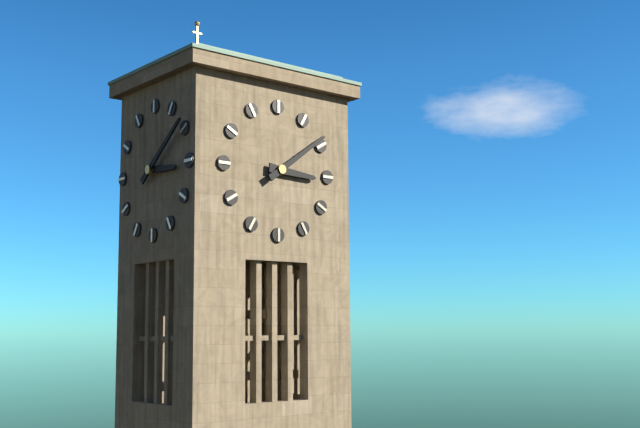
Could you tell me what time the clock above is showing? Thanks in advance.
3:09
